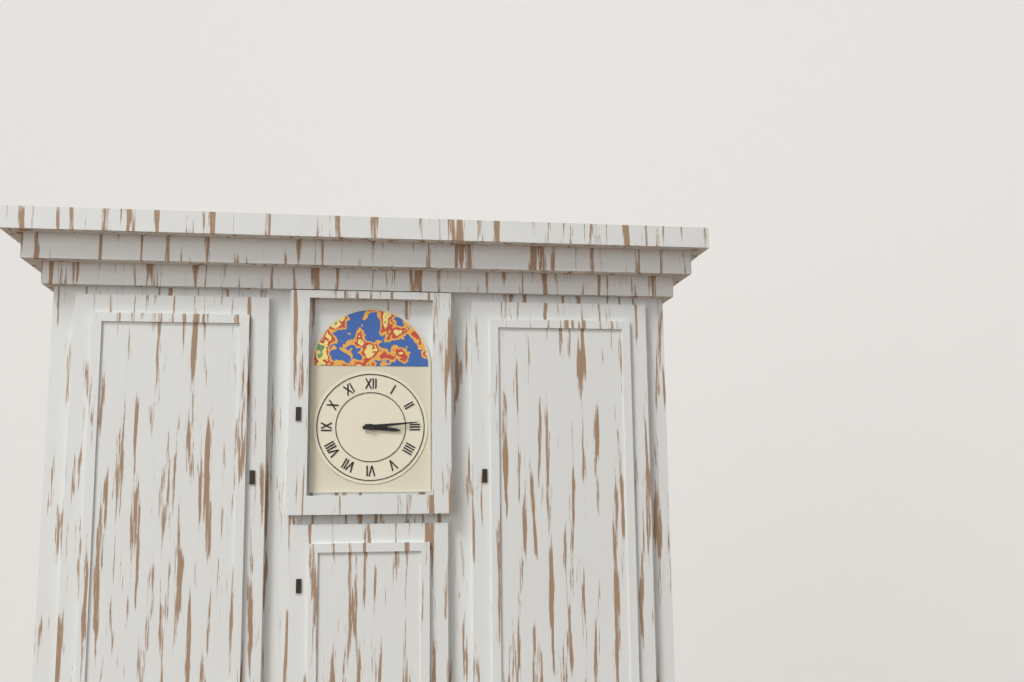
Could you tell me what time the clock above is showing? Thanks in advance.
3:14
